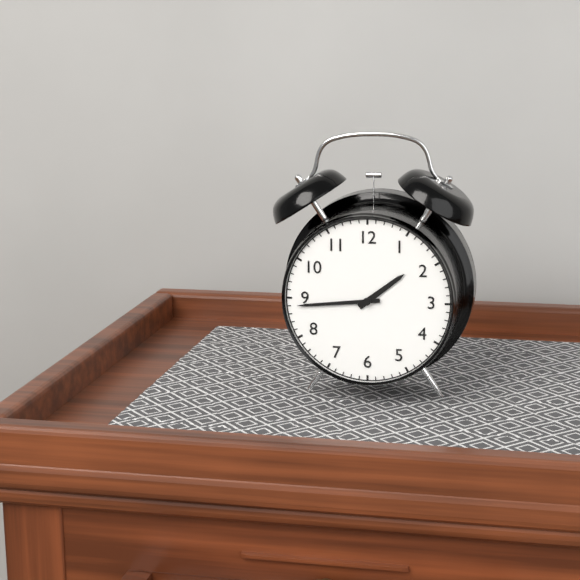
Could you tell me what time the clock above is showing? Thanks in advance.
1:44
